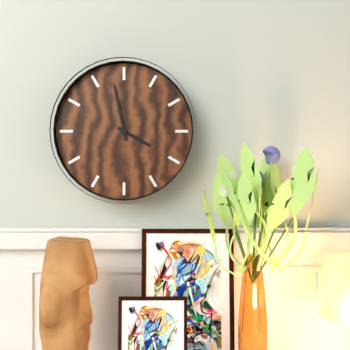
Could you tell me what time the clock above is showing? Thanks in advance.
3:58
